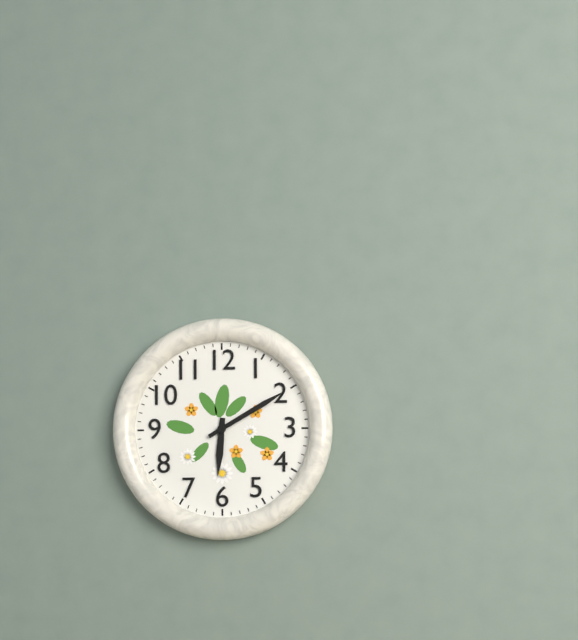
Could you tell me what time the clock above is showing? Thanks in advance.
6:10
